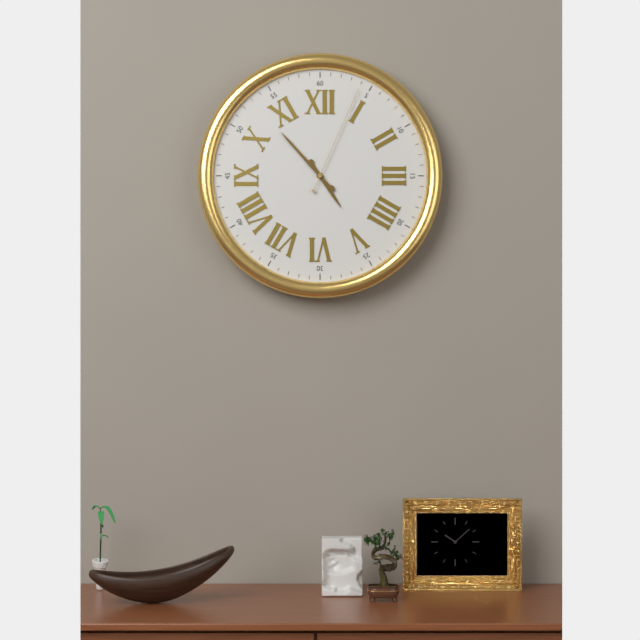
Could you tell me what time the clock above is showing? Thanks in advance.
4:53:04
